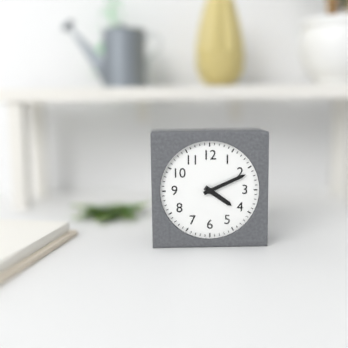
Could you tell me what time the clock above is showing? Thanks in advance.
4:11
